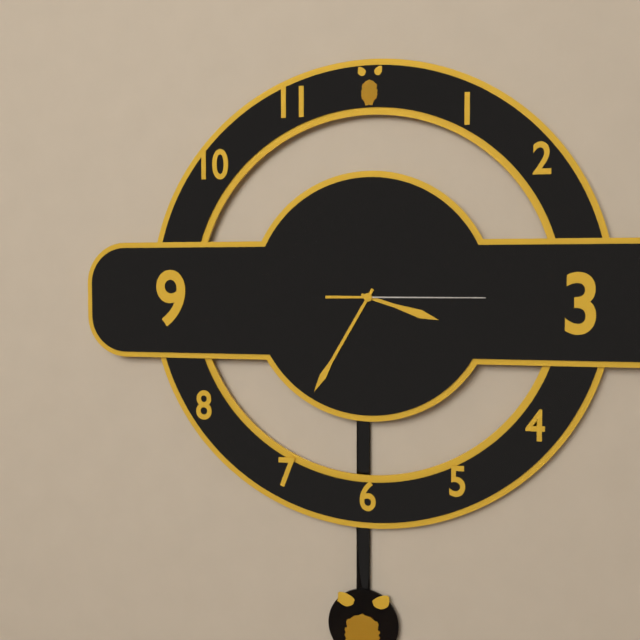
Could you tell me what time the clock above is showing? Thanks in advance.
3:35:15
